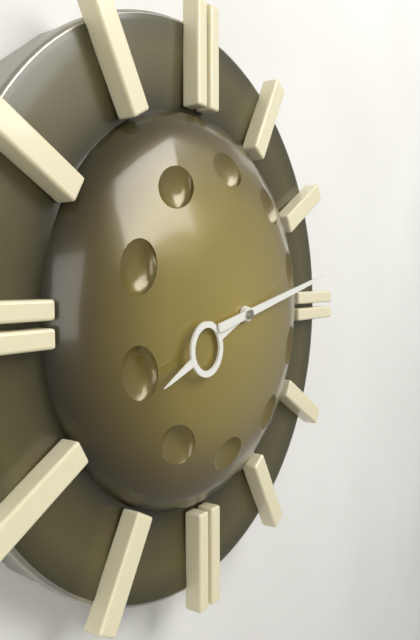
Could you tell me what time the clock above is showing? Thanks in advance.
8:13
